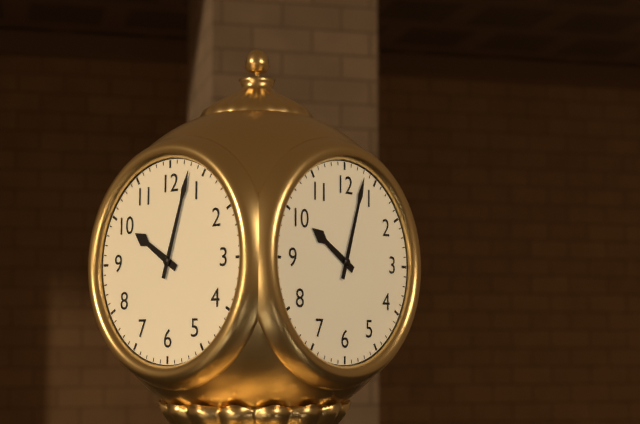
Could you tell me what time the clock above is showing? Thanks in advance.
10:03
